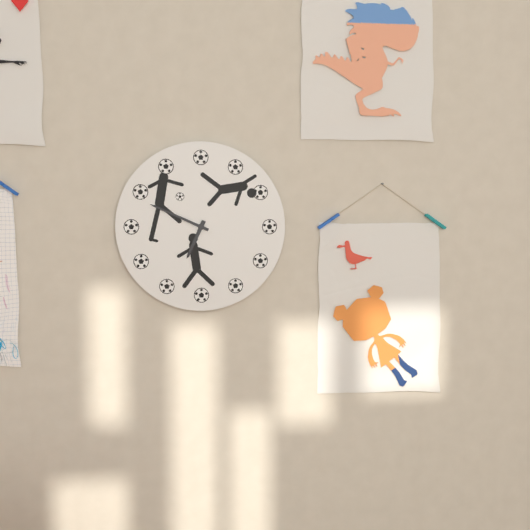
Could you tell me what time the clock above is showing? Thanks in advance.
6:49
